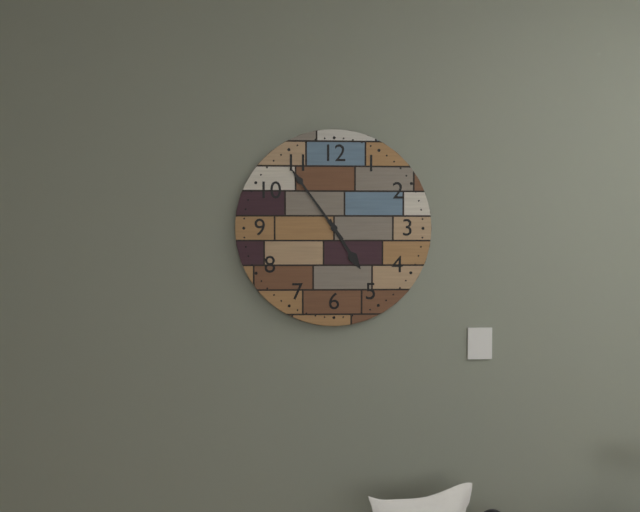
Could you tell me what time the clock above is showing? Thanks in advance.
4:54
